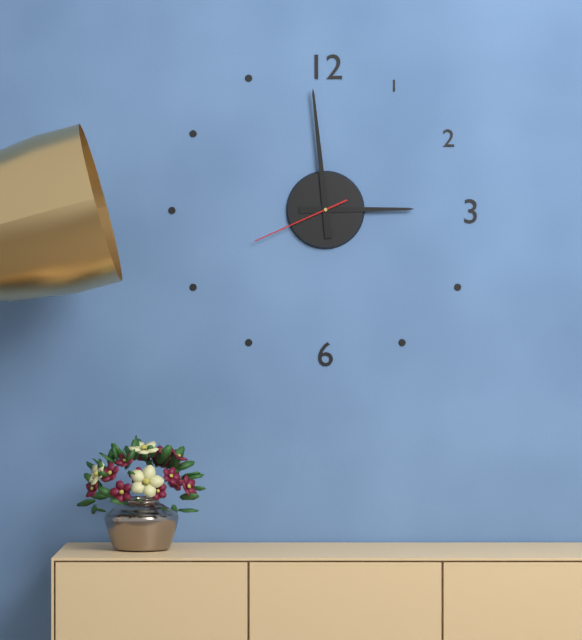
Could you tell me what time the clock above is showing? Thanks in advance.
2:59:41
